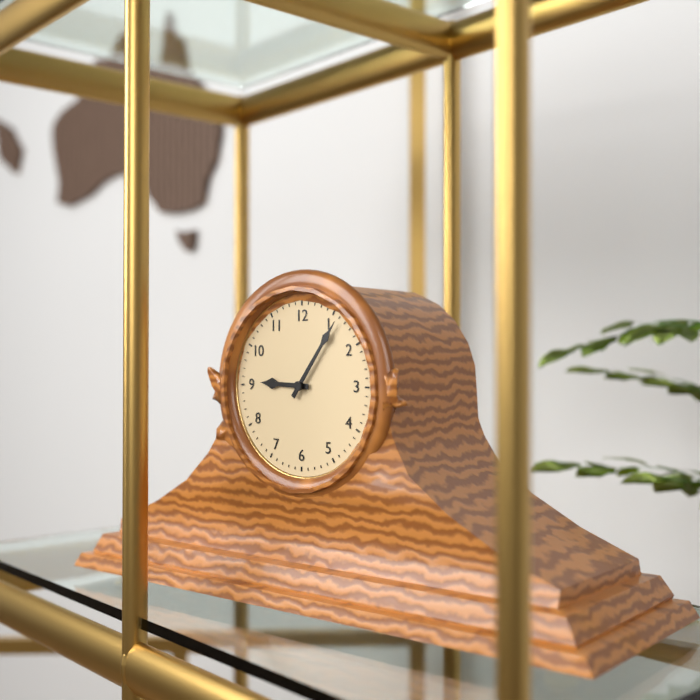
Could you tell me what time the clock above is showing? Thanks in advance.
9:06
